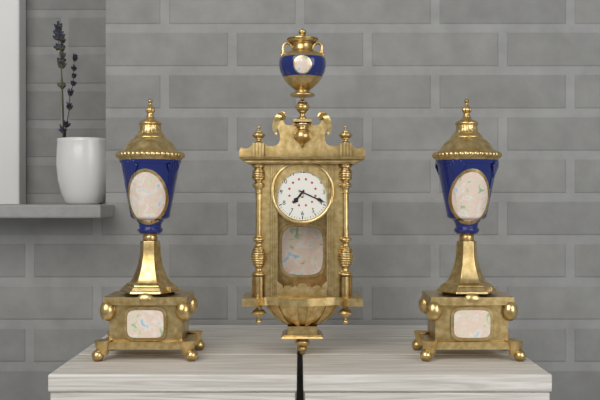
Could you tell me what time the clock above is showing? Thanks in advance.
7:19
